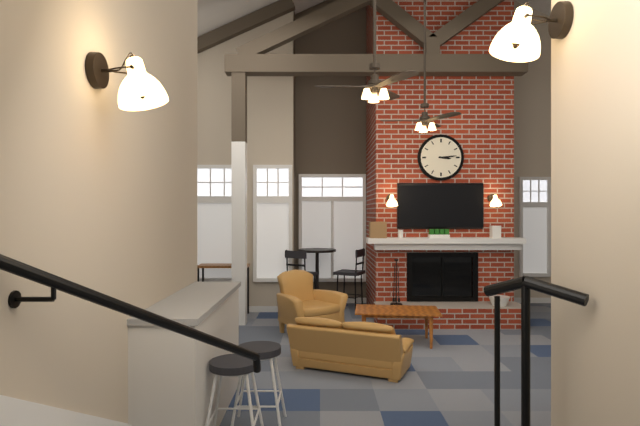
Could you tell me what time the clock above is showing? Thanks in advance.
3:14
